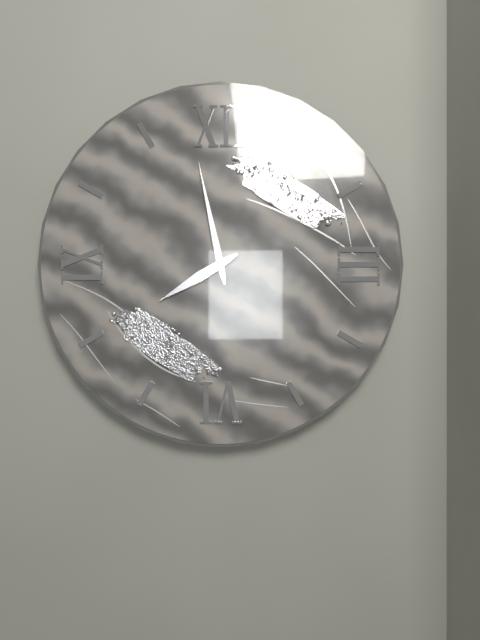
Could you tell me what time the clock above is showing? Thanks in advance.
7:58
